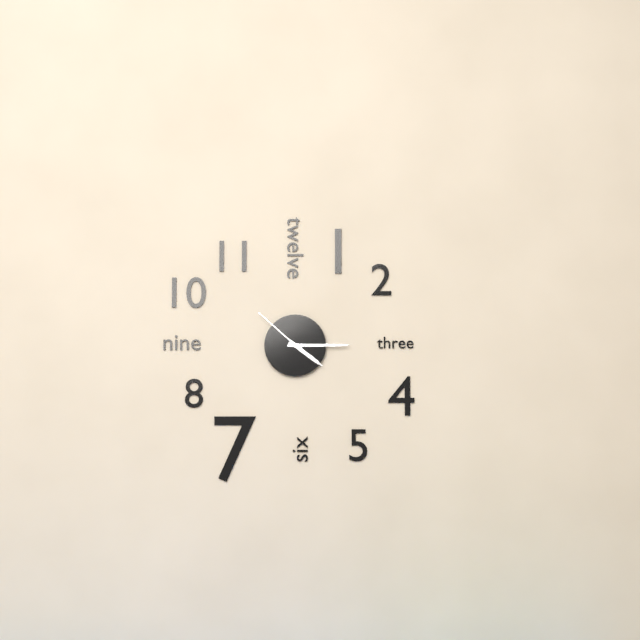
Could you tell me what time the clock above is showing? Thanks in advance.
4:15:52
